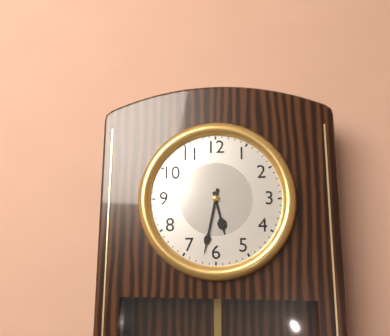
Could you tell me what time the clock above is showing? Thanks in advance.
5:32
